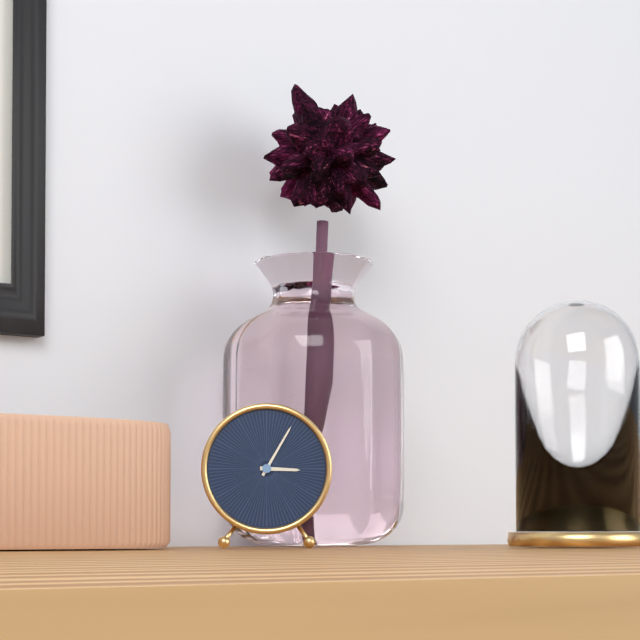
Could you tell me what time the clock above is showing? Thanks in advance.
3:05
